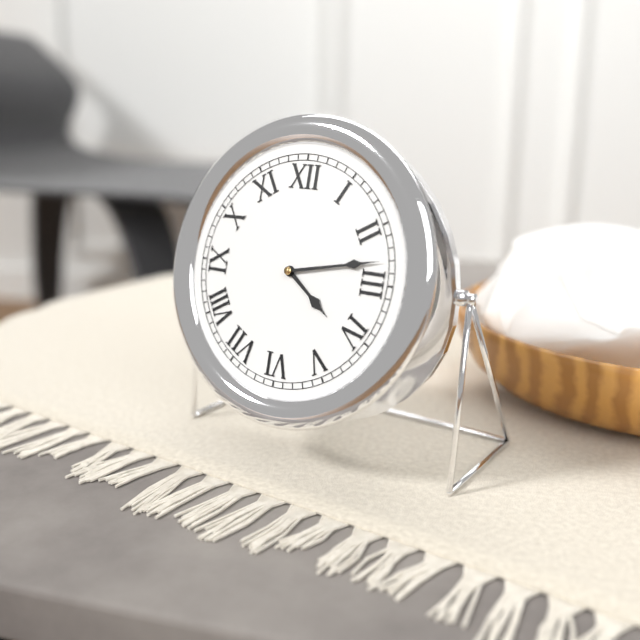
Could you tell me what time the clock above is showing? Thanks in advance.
4:13
